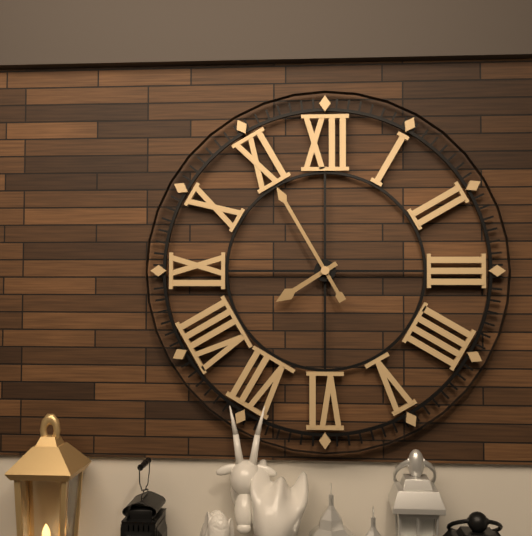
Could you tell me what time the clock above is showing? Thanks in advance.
7:55
